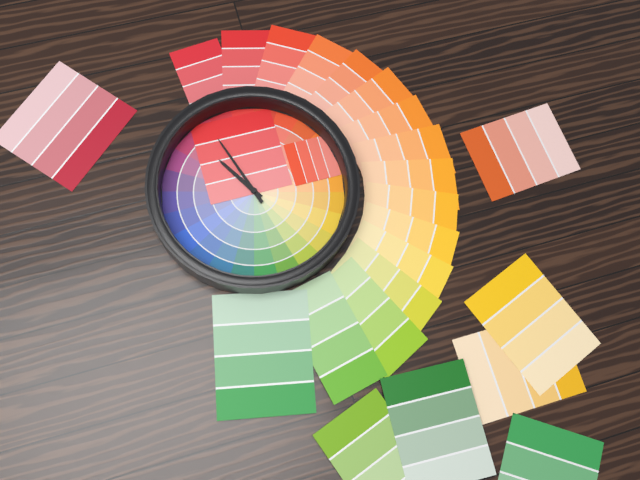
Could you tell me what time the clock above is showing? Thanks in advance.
10:57
